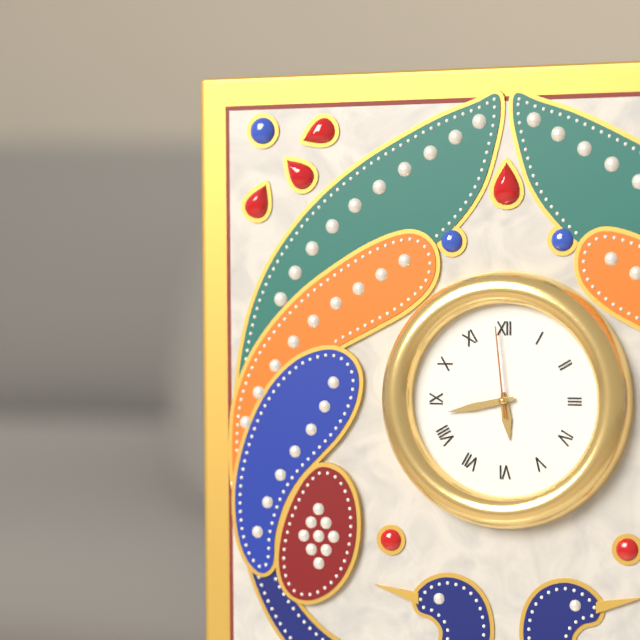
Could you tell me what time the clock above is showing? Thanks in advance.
5:43:59
